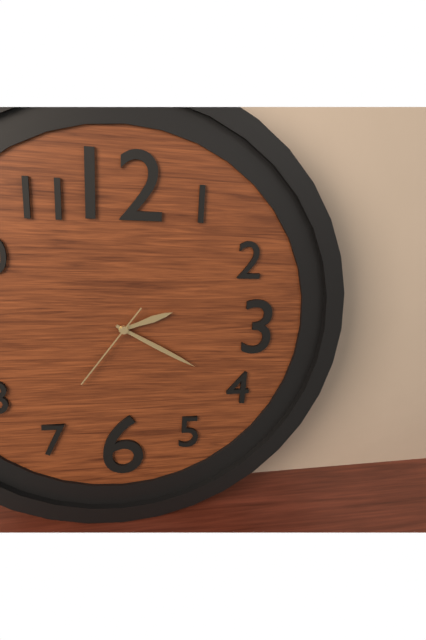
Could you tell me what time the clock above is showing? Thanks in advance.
2:20:36
